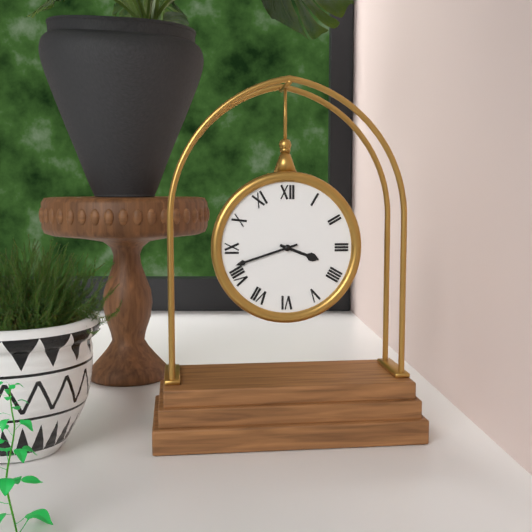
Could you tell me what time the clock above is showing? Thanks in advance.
3:42
